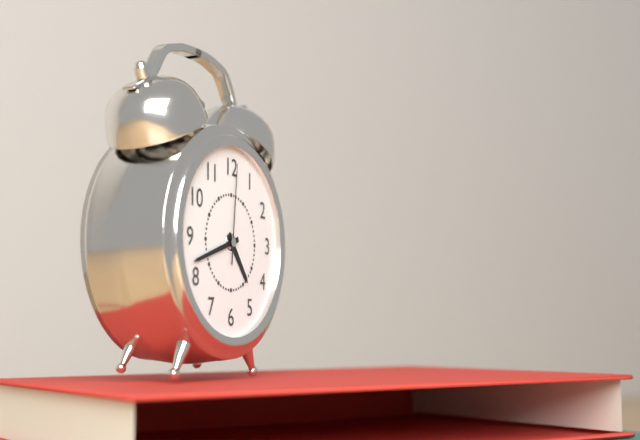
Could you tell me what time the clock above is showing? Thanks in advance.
4:42:01
